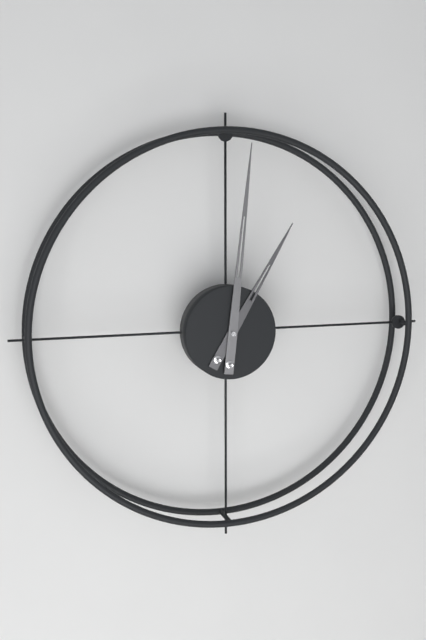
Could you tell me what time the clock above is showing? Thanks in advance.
1:01
